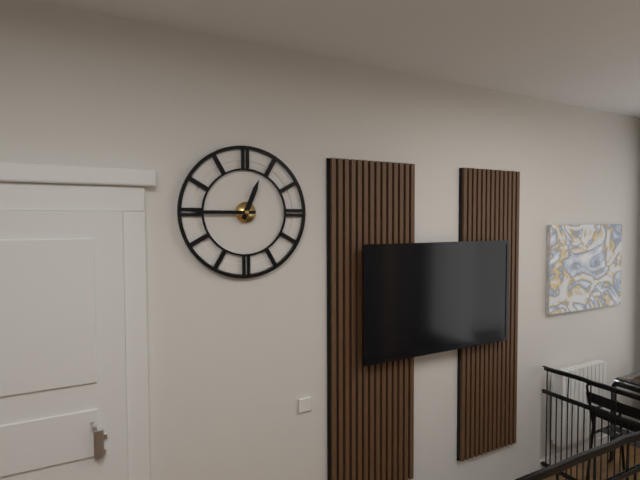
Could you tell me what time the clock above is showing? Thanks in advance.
12:45
